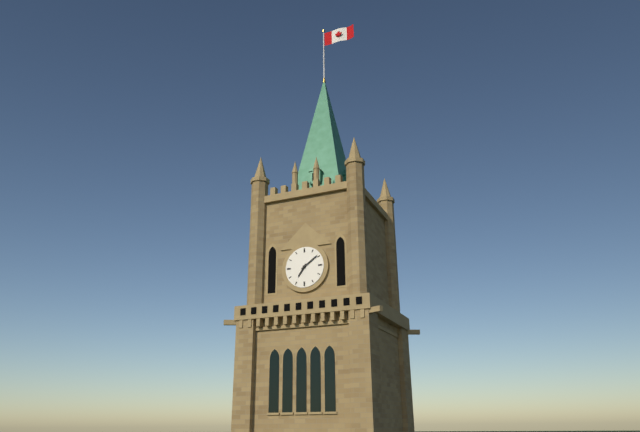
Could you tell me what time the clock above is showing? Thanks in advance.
7:09
